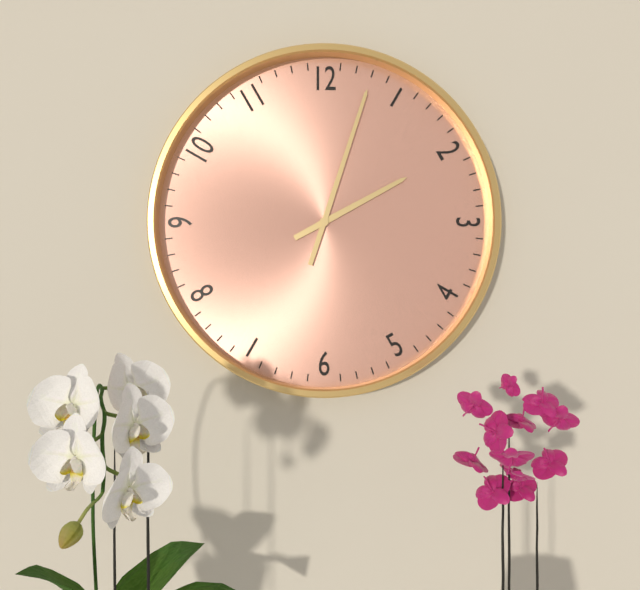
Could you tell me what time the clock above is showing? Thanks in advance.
2:03
